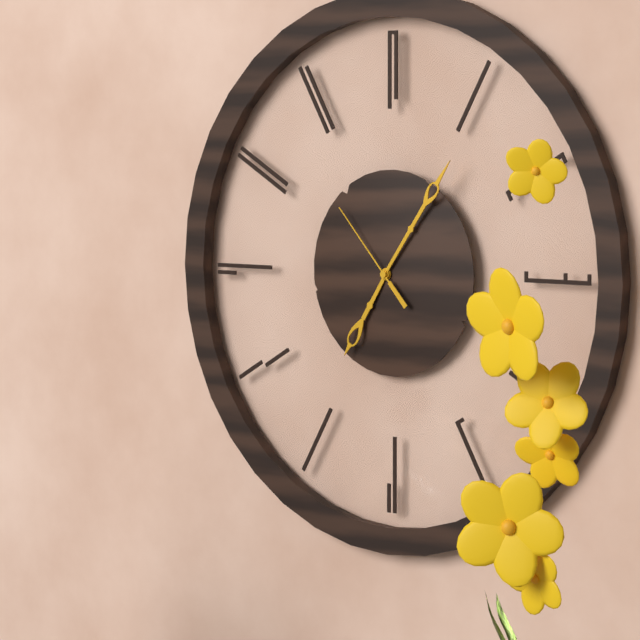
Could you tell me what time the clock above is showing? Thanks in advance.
7:06:53
